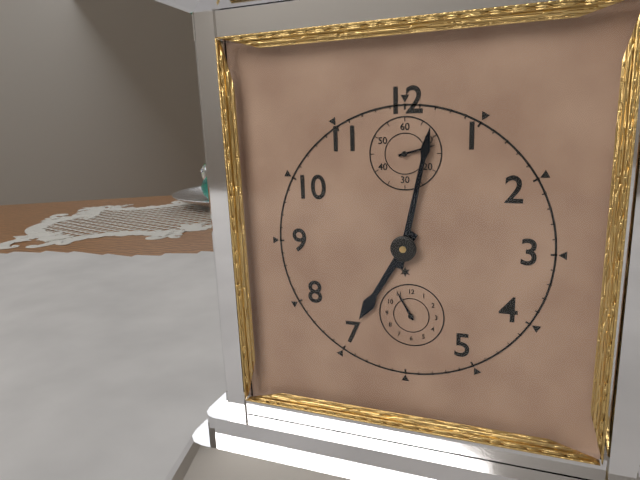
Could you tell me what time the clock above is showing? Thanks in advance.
7:02
